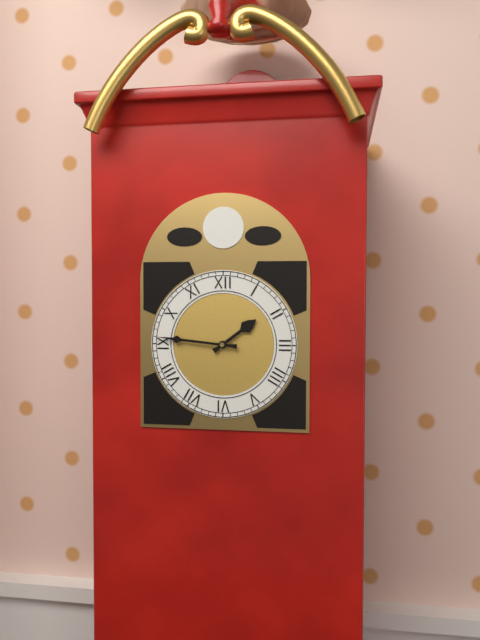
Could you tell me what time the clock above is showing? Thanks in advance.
1:46
